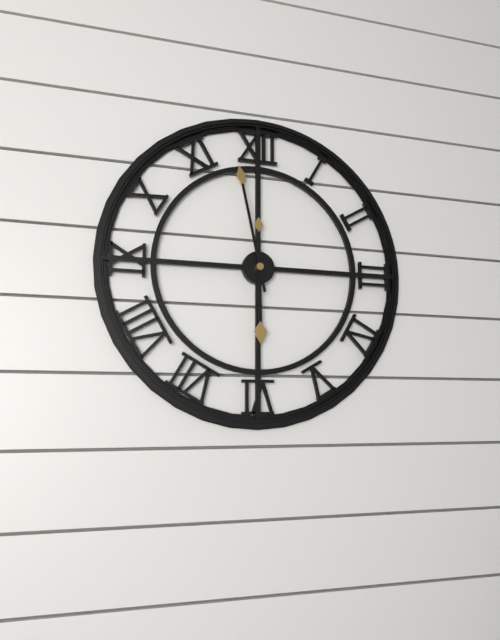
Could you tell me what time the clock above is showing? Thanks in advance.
5:58
